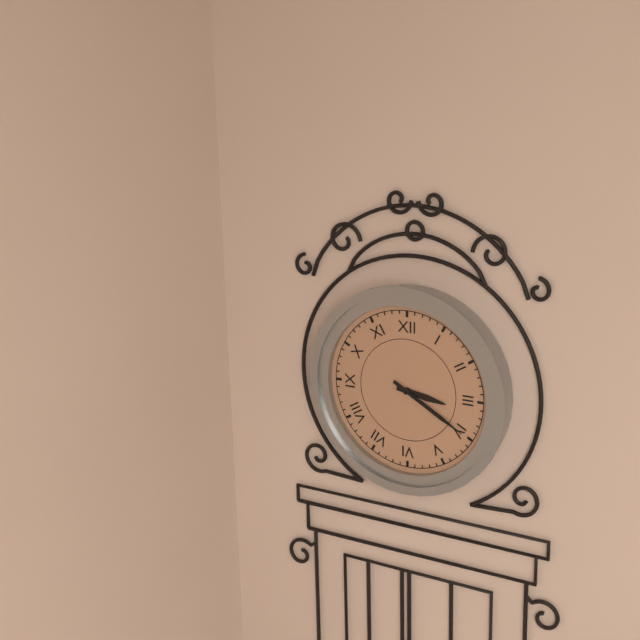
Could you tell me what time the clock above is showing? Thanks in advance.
3:20
